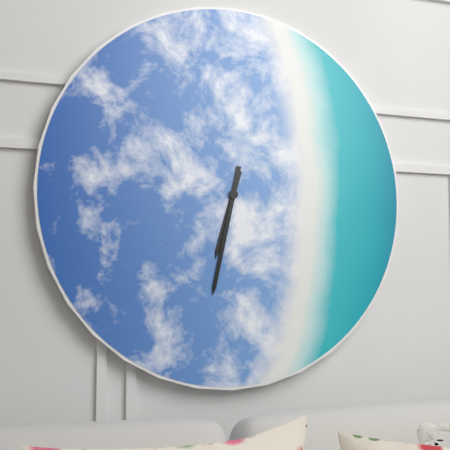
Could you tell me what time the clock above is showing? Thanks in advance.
6:32
